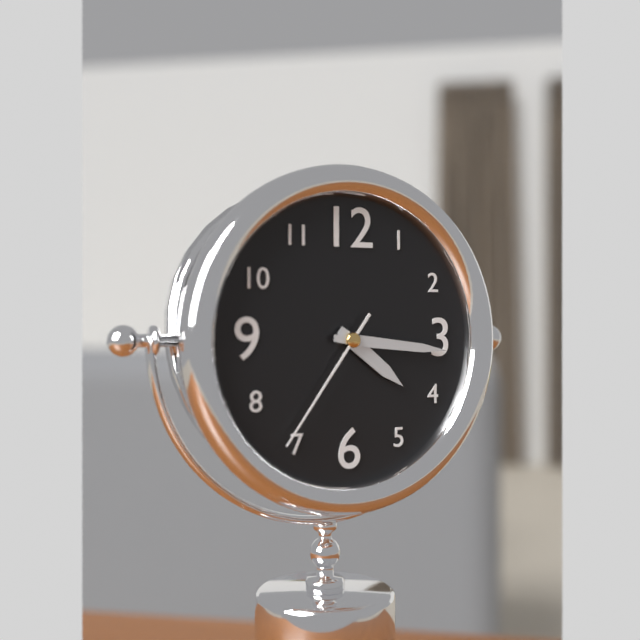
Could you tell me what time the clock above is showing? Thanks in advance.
4:16:36
